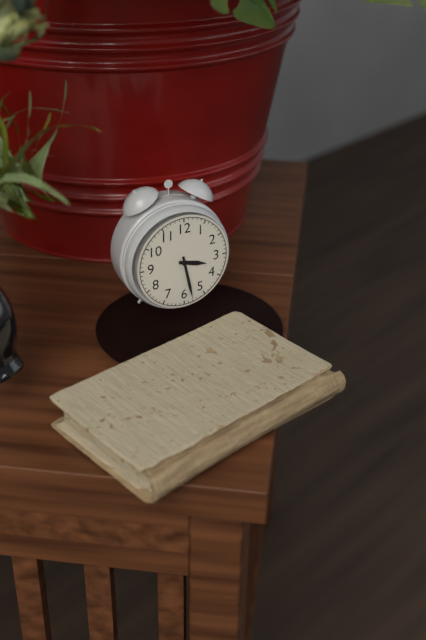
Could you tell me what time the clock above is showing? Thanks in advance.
3:28
